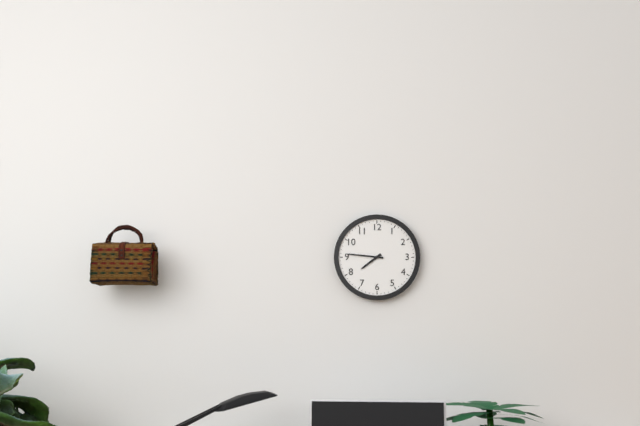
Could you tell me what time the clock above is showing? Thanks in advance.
7:46
